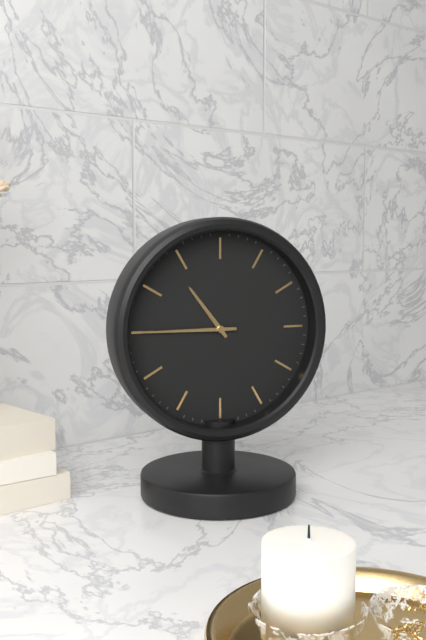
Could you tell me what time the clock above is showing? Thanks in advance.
10:45
